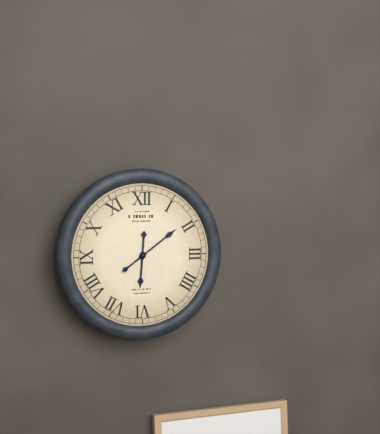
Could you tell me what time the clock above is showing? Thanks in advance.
6:09
